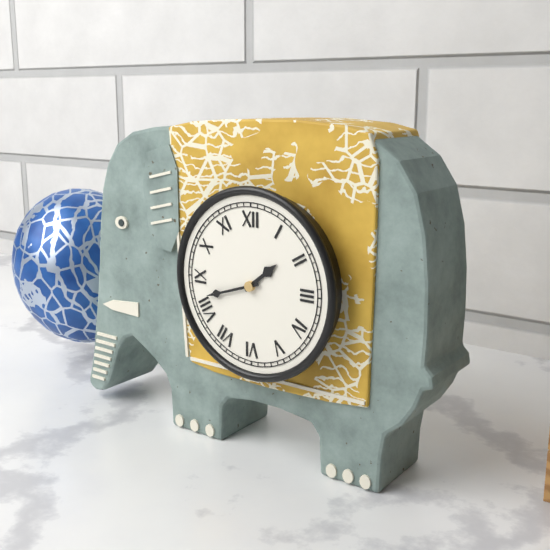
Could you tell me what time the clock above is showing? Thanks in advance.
1:42
